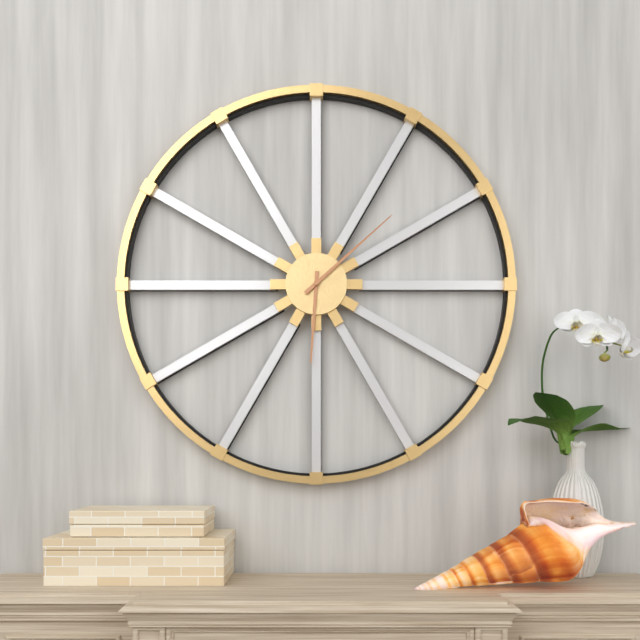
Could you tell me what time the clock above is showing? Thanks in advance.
6:08
